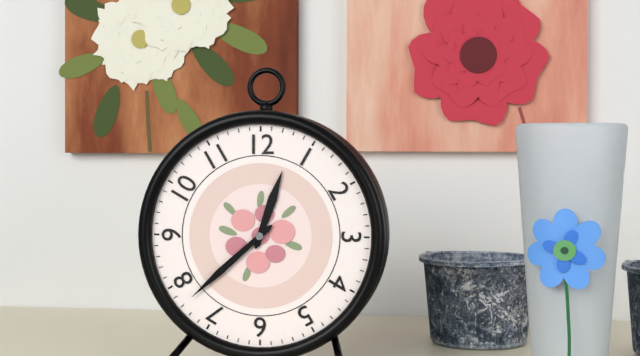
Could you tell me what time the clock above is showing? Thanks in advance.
12:38
